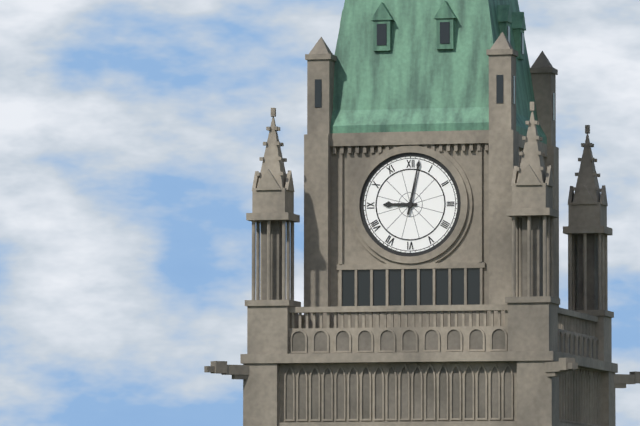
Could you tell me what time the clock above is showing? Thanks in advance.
9:02
